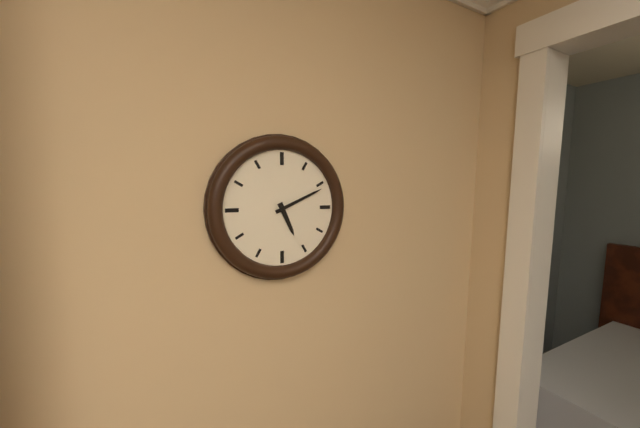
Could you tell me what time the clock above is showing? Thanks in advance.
5:11
